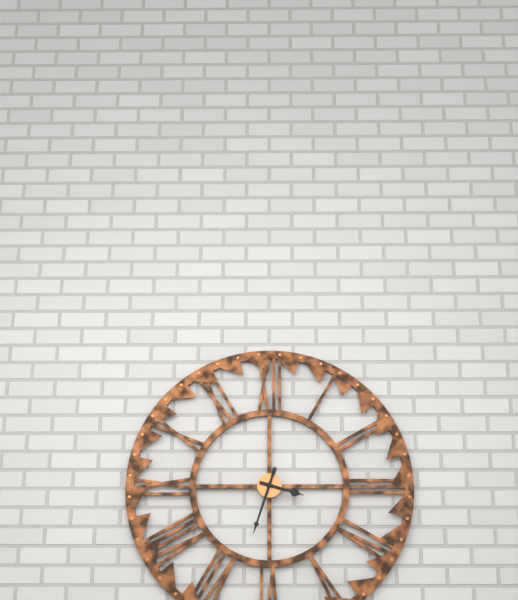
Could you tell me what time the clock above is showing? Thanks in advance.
3:33
